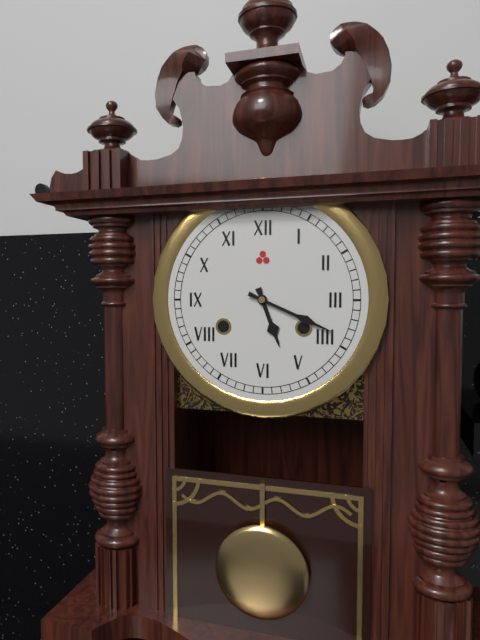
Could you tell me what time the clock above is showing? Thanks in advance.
5:19
